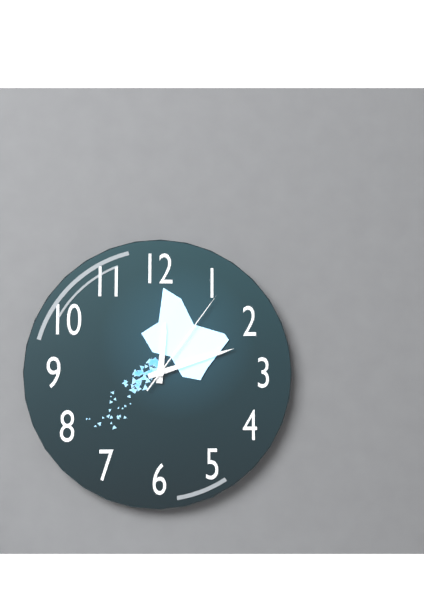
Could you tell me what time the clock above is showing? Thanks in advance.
12:12:06
